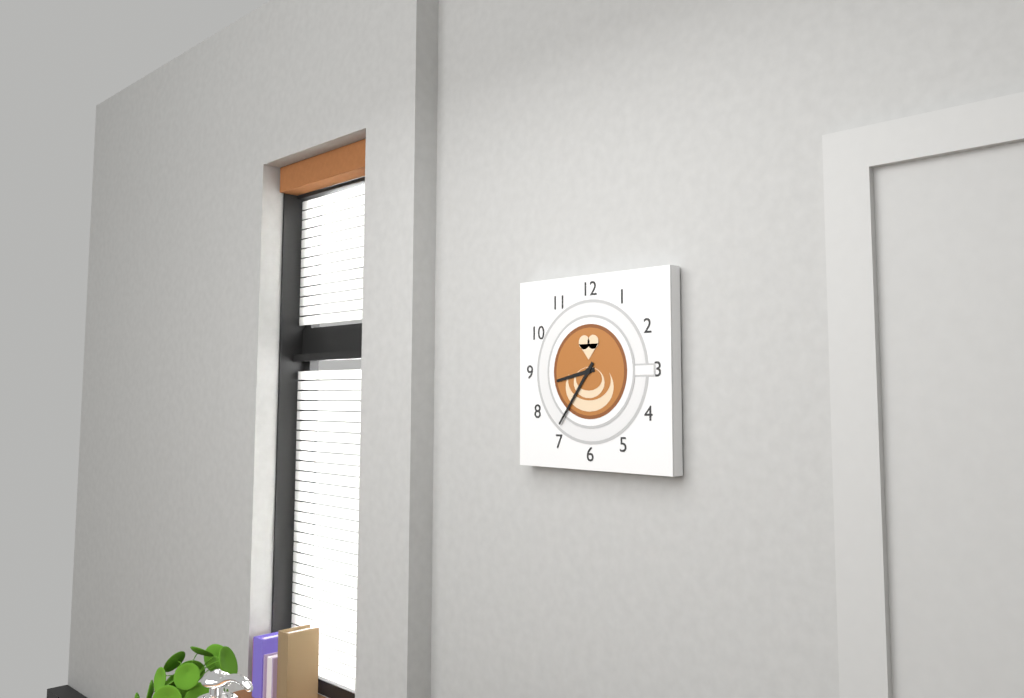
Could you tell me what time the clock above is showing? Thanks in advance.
8:36
